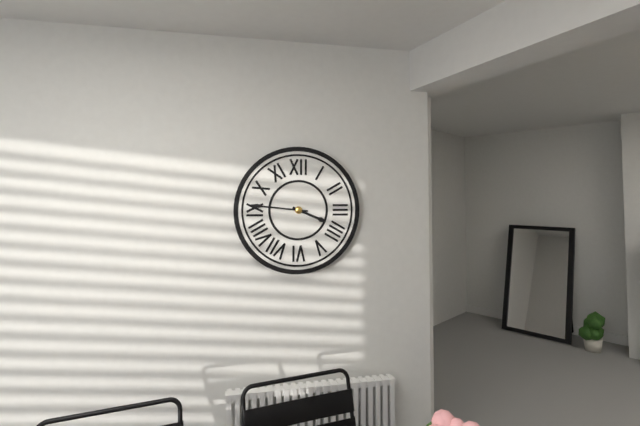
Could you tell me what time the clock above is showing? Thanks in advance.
3:46
